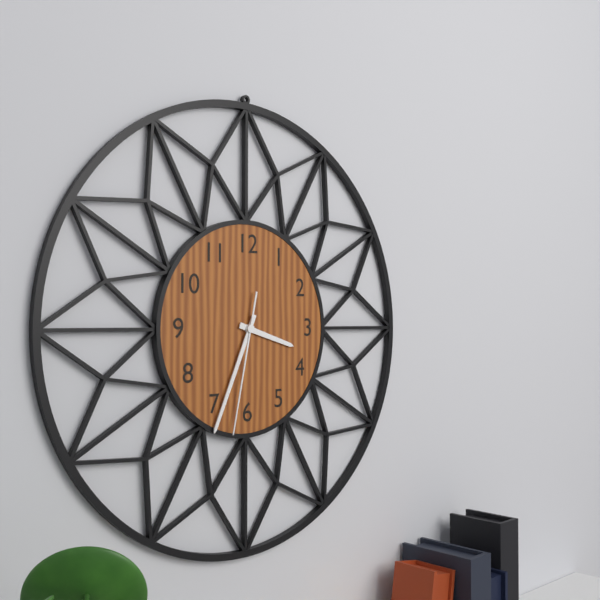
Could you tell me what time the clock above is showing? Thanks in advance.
3:34:32
